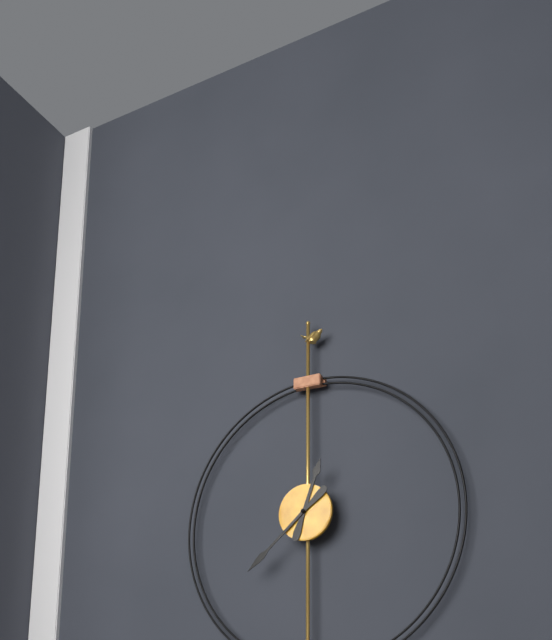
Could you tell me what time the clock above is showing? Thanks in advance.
12:38
